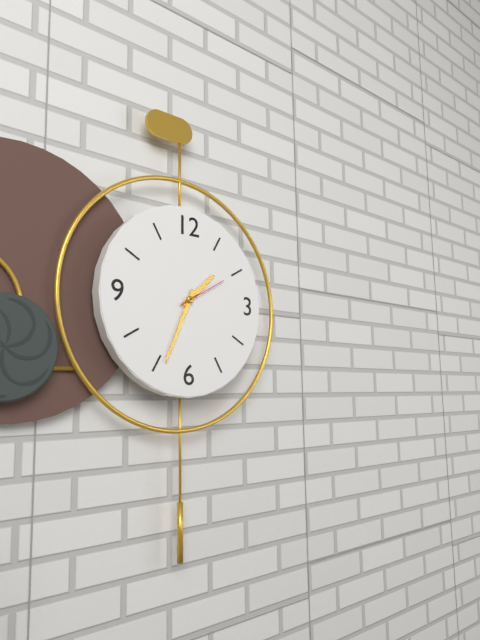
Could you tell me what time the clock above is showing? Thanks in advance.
1:34:10
